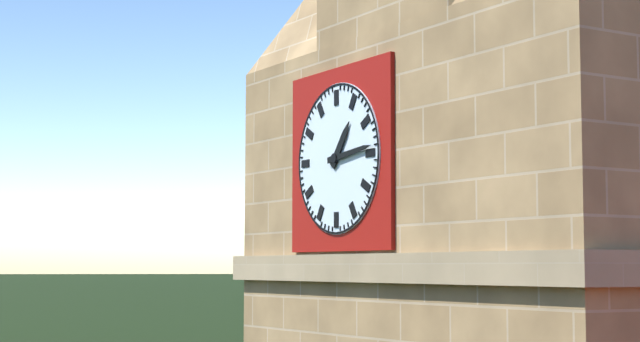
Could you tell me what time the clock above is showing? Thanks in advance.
1:14
